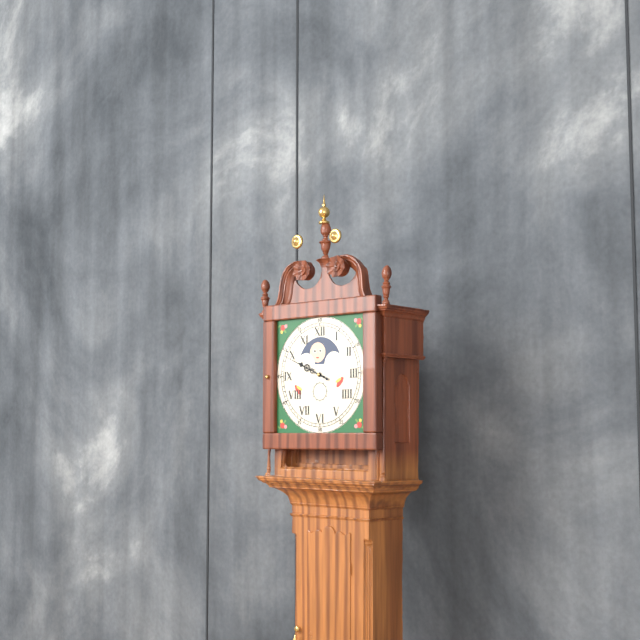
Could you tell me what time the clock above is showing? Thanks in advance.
9:49
